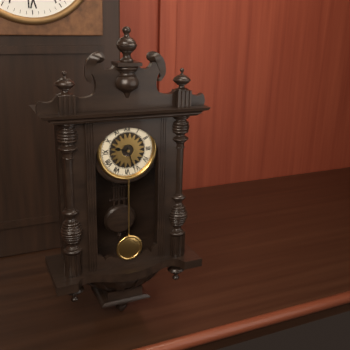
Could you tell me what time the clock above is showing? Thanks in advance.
9:27
